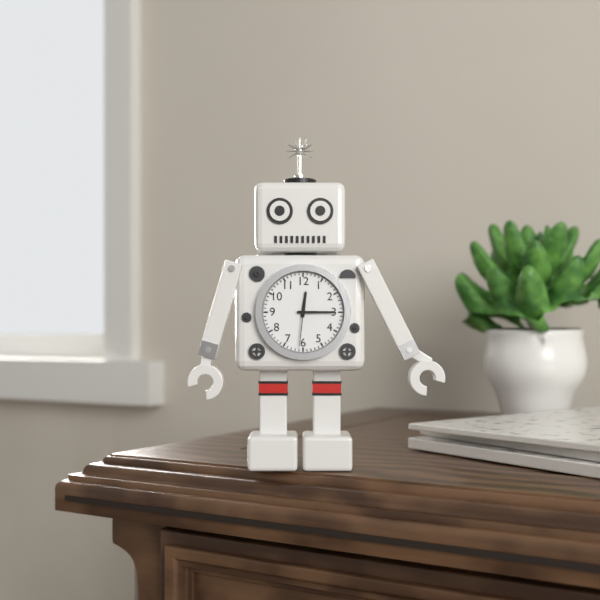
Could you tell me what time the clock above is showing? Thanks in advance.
12:15
